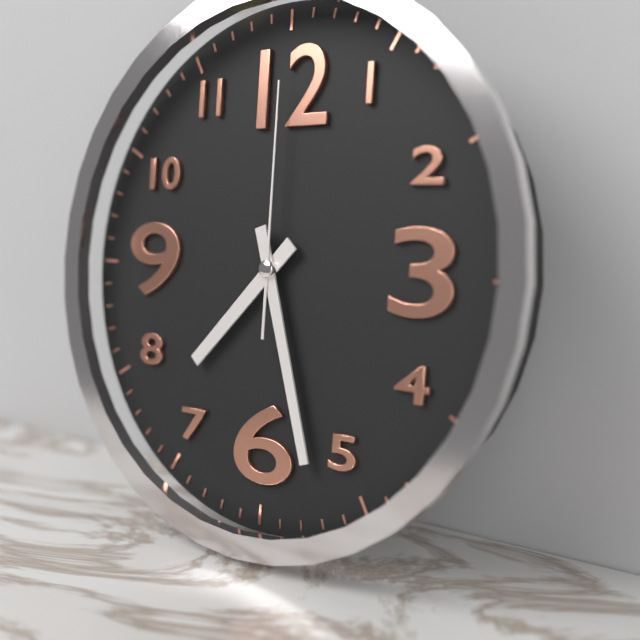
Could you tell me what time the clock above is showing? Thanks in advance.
7:27:00
